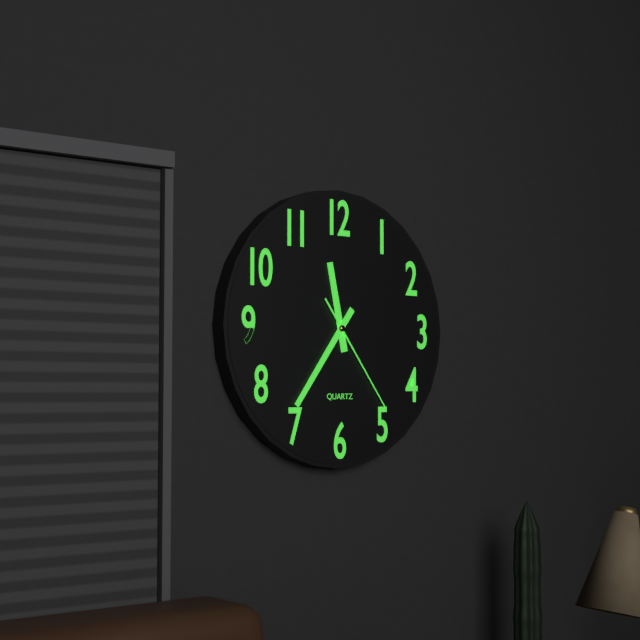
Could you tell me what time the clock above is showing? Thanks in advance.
11:36:24
